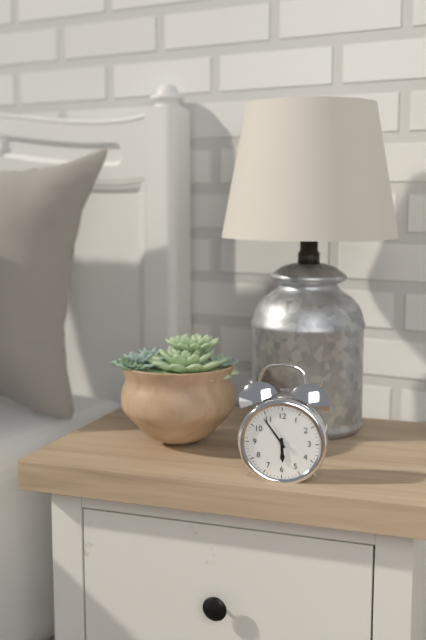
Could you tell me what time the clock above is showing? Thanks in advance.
5:54
